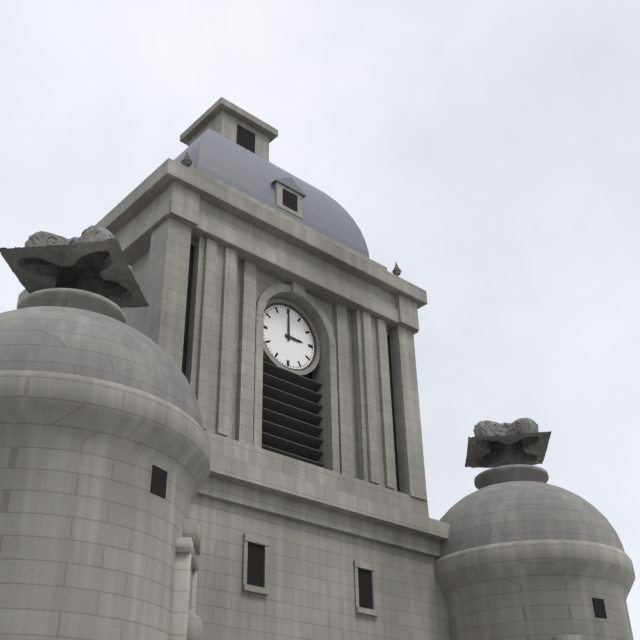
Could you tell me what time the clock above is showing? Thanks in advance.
3:00
